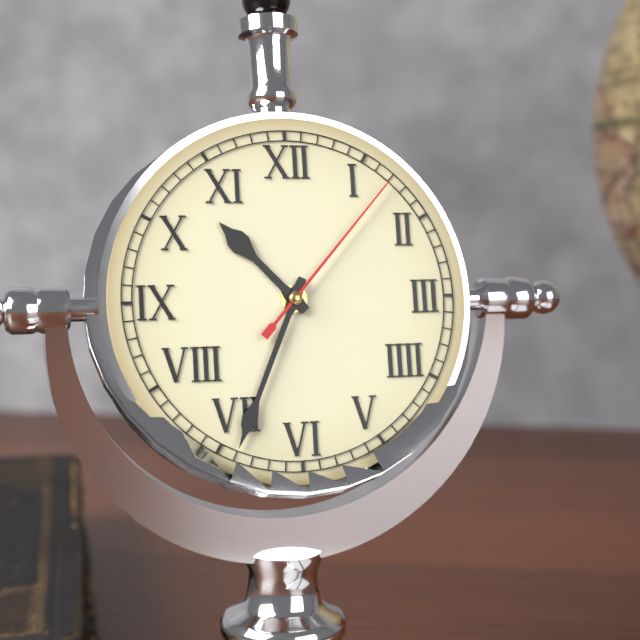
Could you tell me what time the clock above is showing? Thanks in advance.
10:34:07
